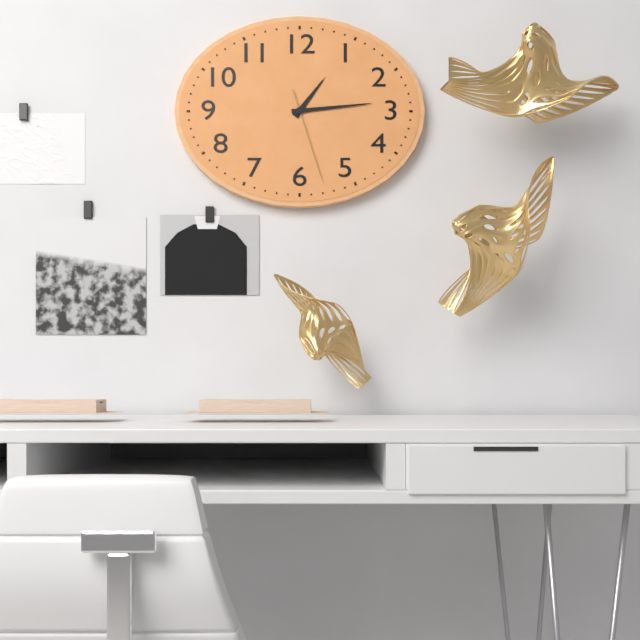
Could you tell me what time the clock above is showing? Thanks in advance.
1:14:27
